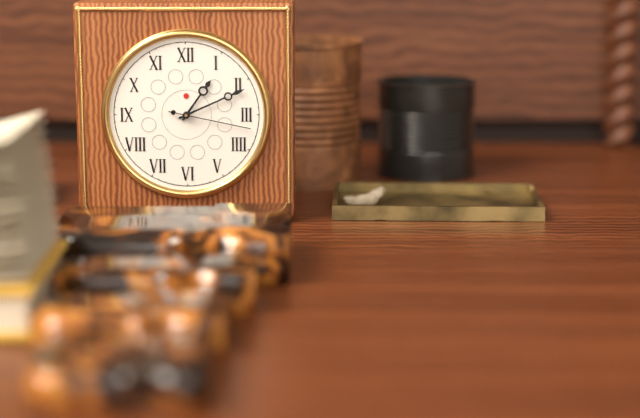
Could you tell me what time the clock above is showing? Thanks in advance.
1:11:17
